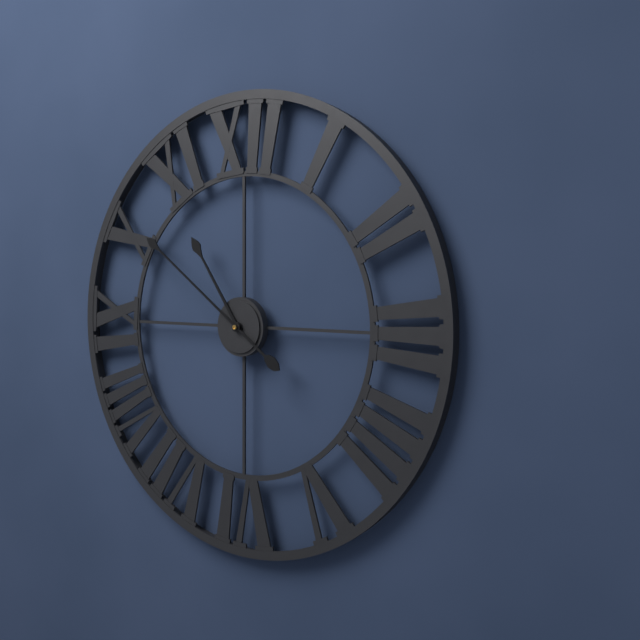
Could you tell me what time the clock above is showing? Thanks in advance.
10:51
